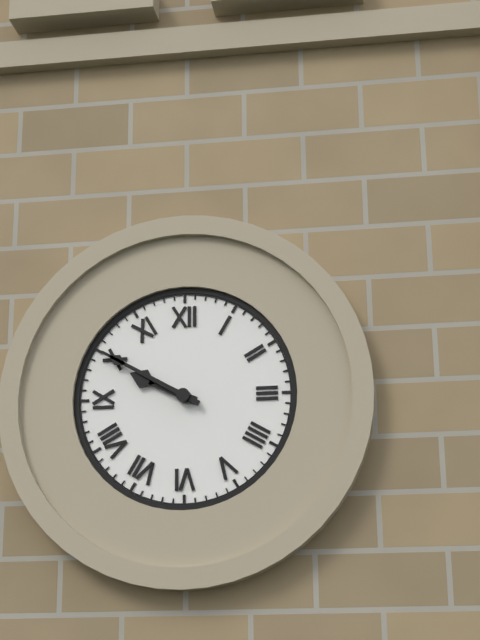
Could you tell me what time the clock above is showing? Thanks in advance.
9:50
